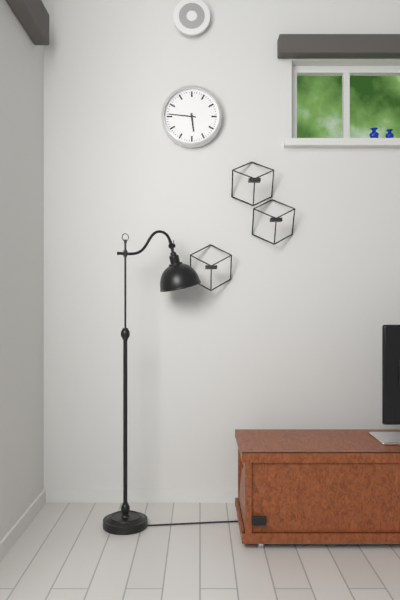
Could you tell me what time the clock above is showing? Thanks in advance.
5:46
